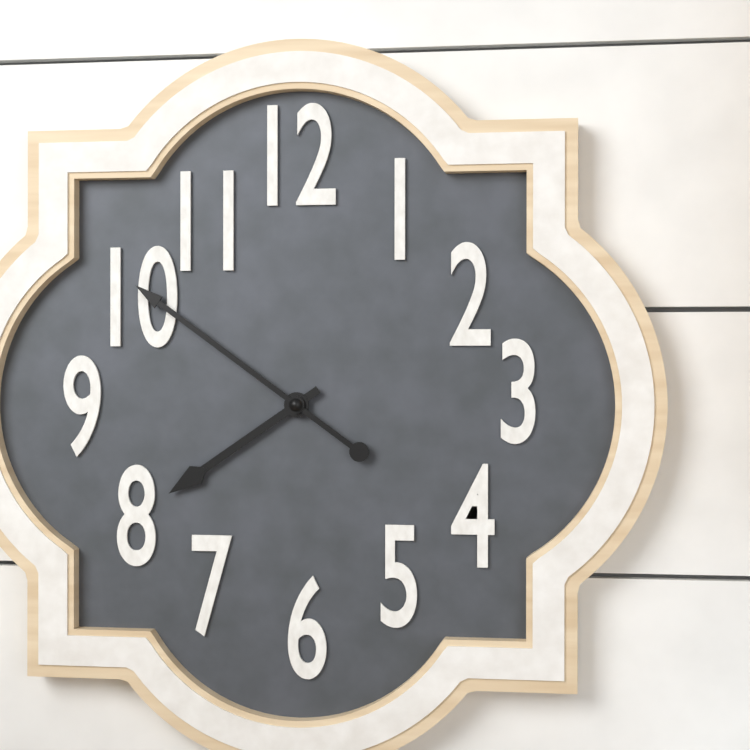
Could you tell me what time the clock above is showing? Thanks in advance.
7:51
